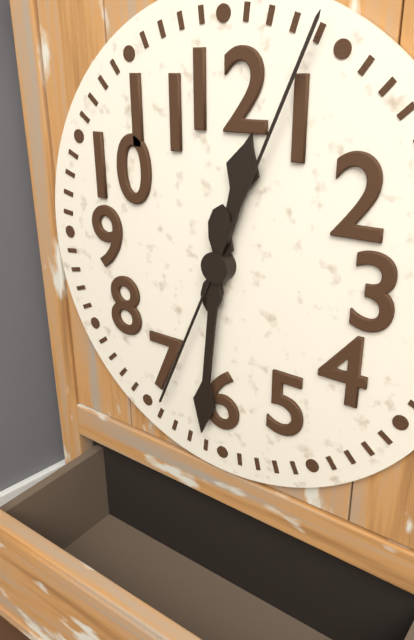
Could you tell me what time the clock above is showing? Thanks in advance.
12:31:04
